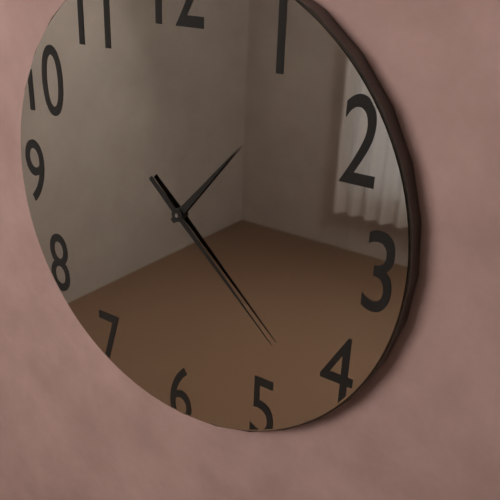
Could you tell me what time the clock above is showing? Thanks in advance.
1:22
